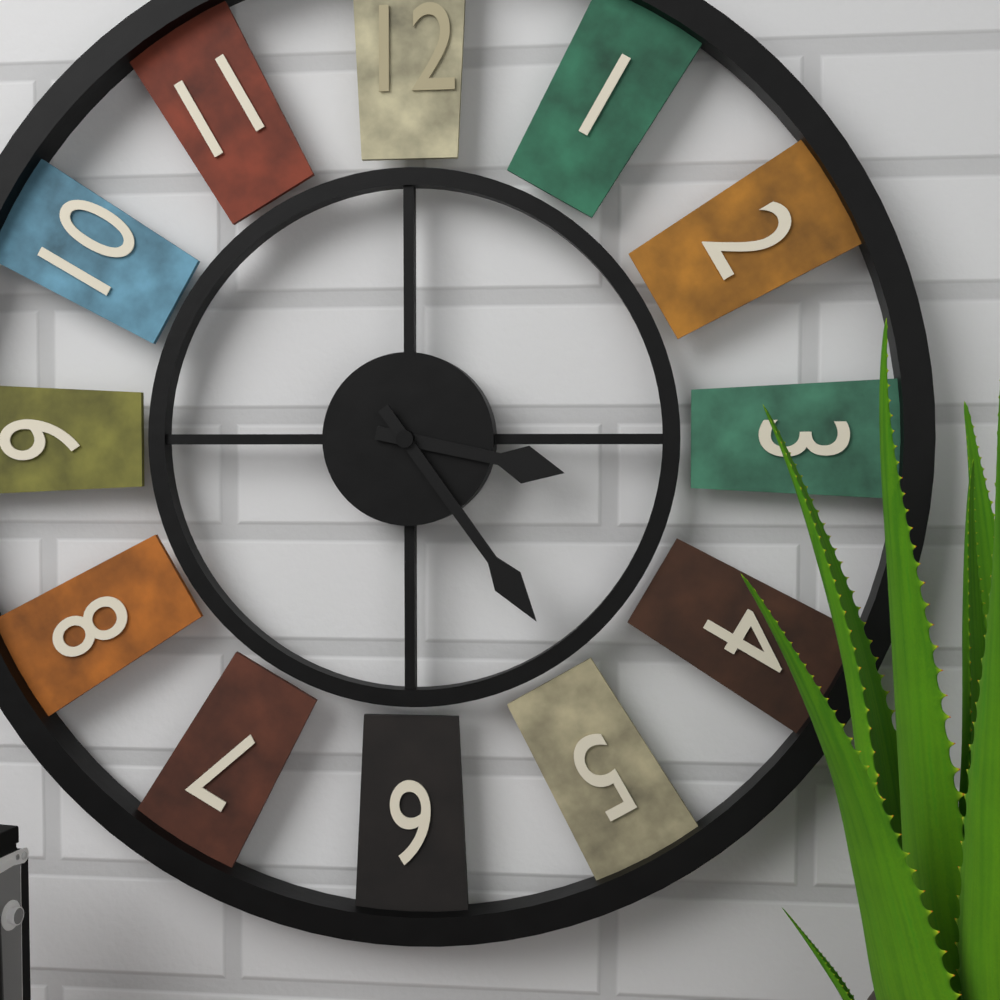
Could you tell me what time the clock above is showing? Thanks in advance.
3:24
